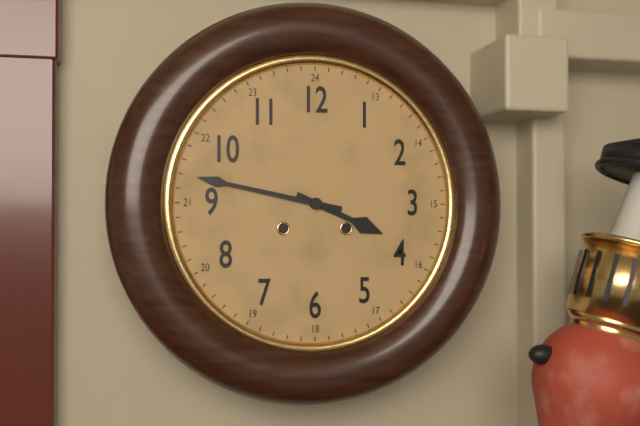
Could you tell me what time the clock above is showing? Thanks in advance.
3:47
